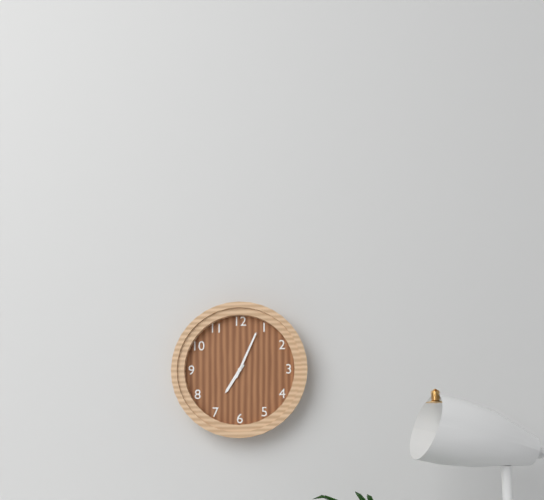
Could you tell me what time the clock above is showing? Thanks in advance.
7:04
